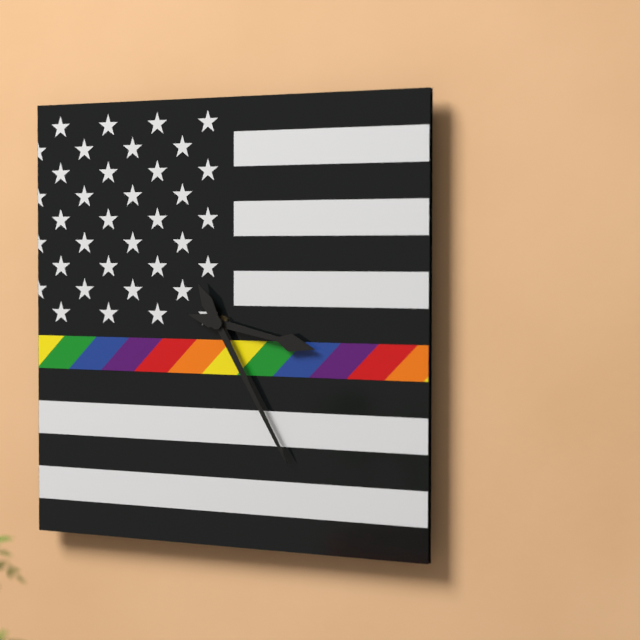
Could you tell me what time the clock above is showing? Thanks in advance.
3:25
